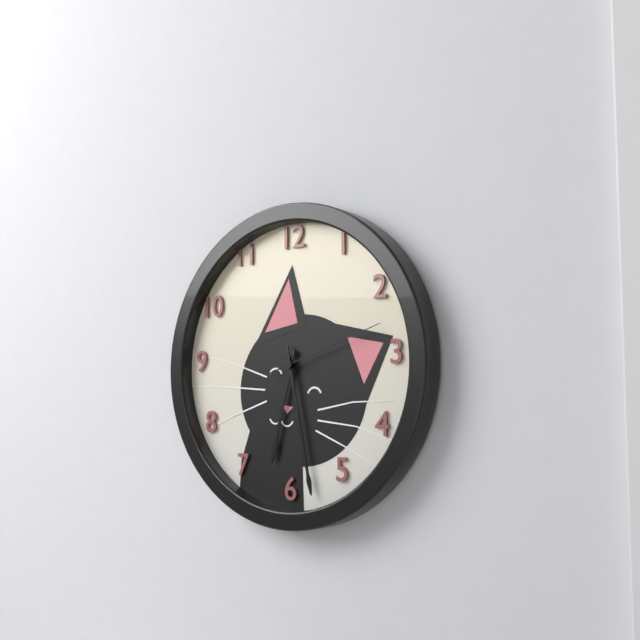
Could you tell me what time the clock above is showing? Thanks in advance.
6:28:12
